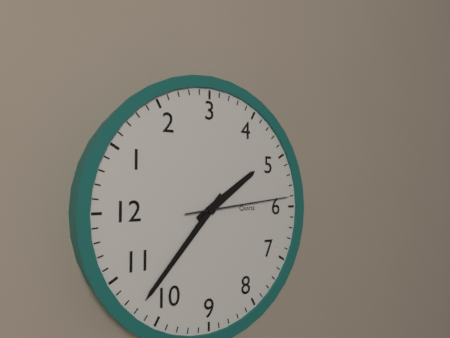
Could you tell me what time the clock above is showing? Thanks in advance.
4:52:29
